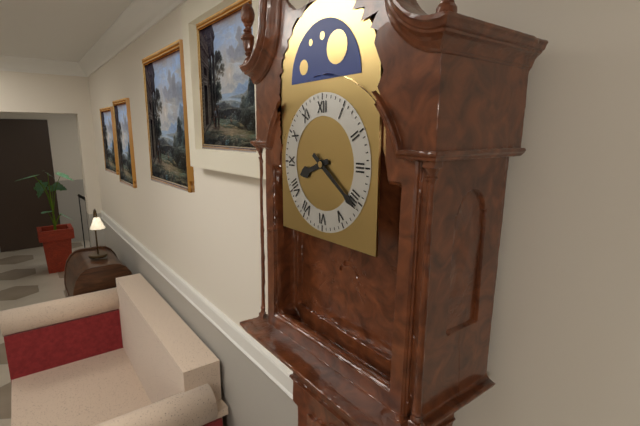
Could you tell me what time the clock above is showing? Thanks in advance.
8:21
